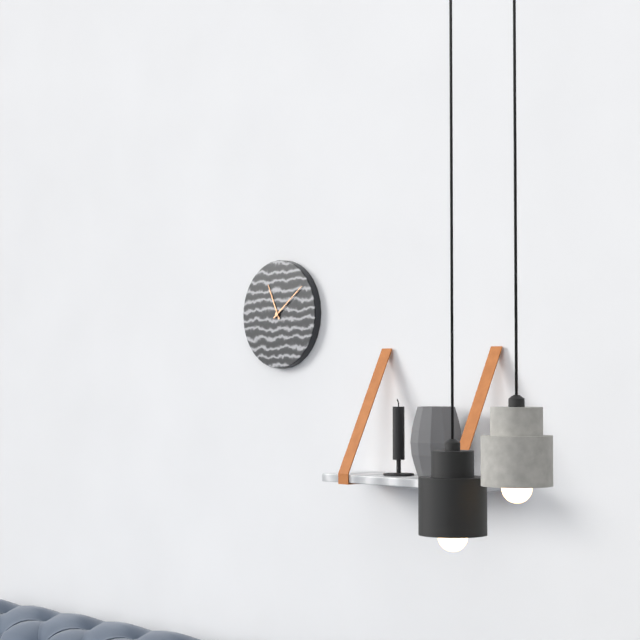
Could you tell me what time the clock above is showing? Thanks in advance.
11:09
